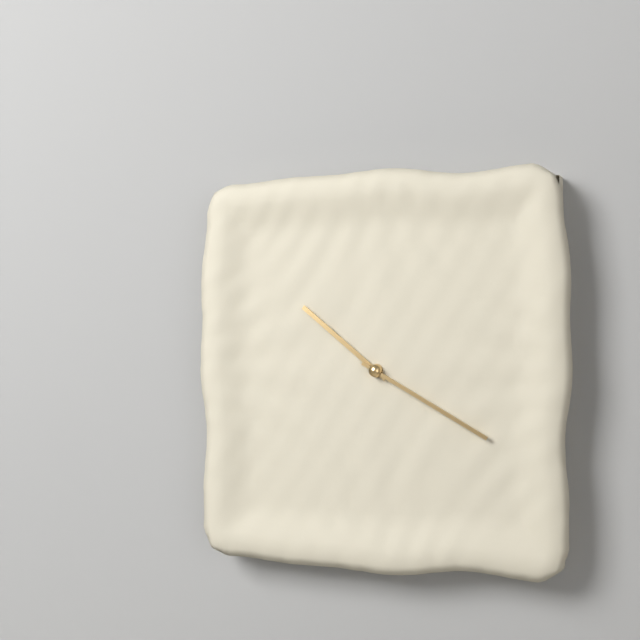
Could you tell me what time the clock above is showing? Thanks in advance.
10:20
